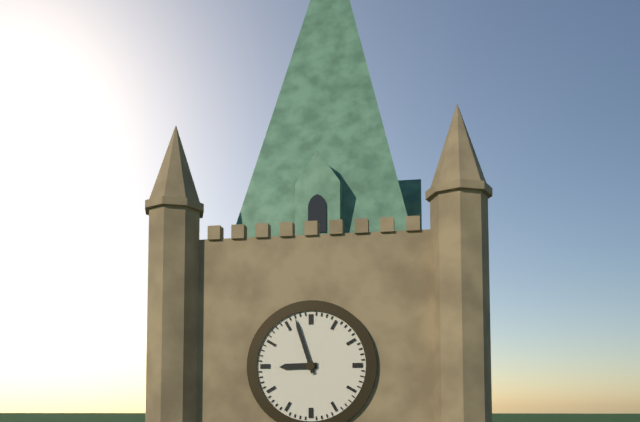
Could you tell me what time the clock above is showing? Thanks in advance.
8:57
